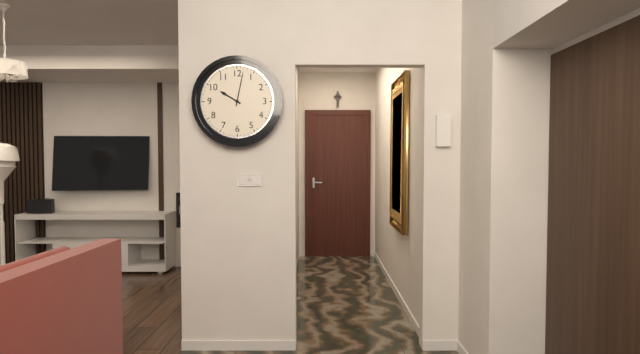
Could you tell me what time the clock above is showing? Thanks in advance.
10:02
